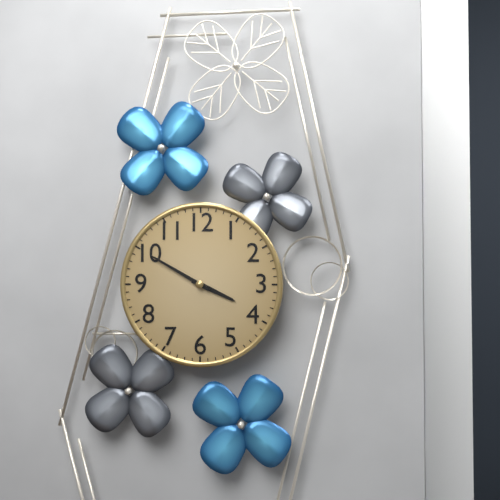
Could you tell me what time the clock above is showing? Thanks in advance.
3:50
